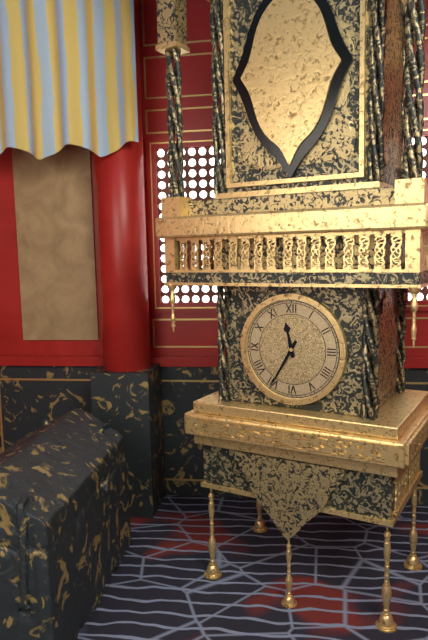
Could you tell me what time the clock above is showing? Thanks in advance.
11:35
